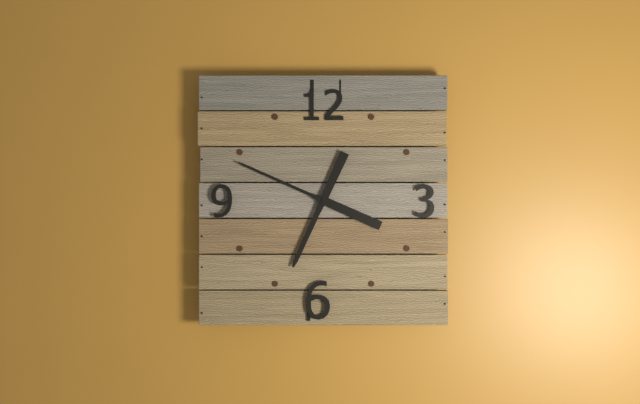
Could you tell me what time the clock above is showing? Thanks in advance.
6:49
